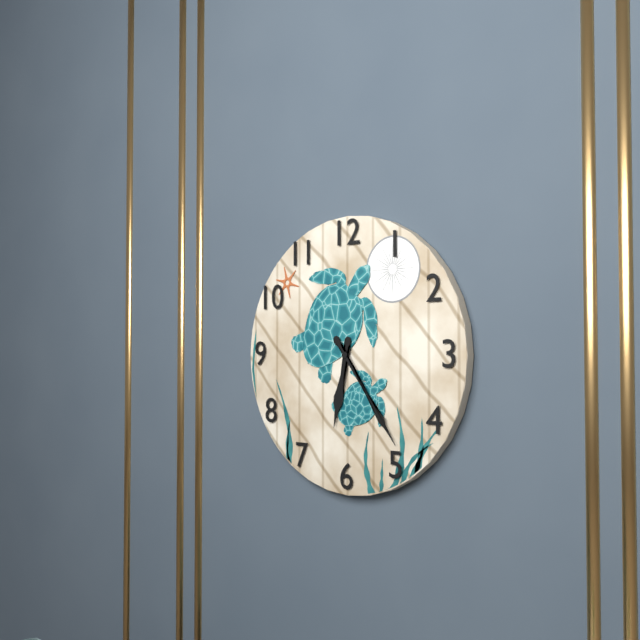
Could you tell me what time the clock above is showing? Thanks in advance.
6:24
